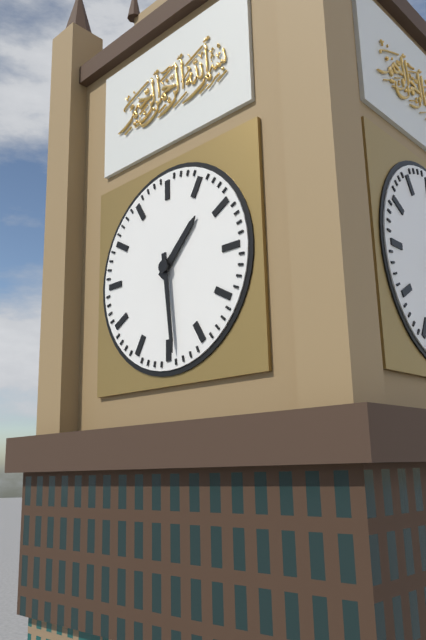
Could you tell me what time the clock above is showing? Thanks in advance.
1:29
